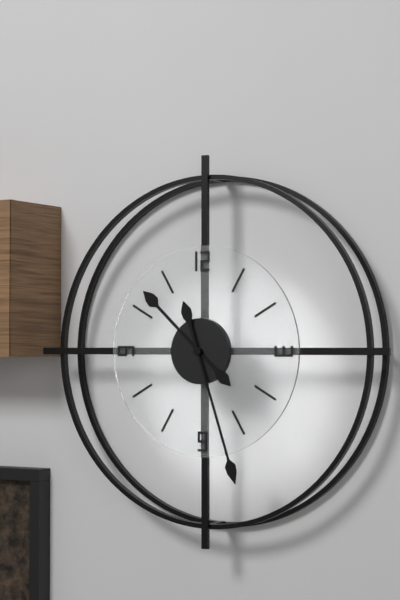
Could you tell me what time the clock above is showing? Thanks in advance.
10:27
